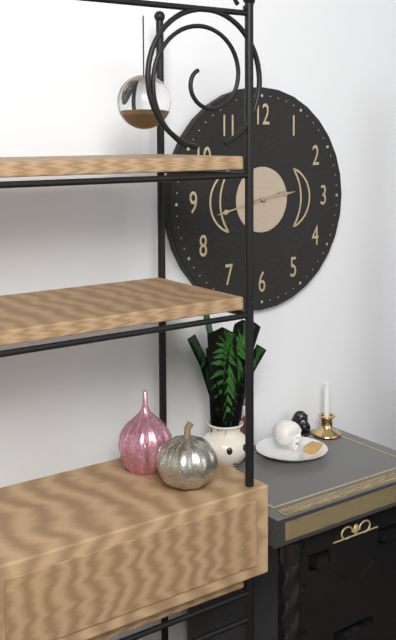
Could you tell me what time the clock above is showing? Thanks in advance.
2:43
